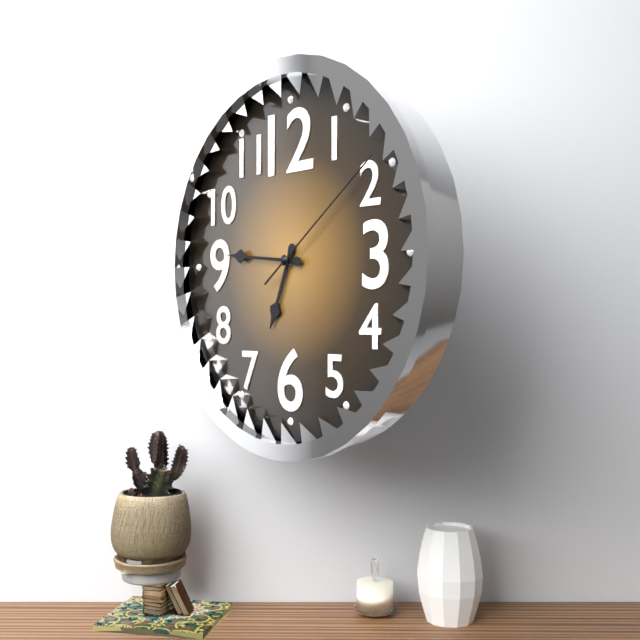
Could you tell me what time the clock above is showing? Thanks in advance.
6:46:09
